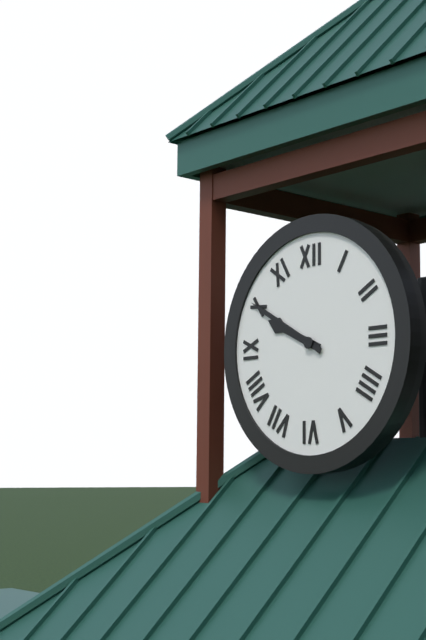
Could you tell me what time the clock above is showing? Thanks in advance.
9:50
